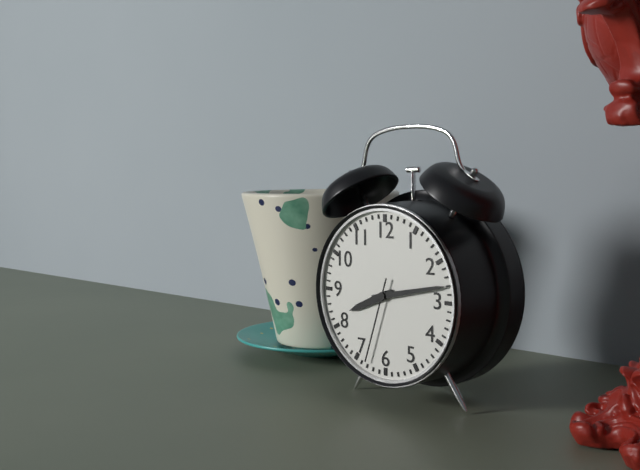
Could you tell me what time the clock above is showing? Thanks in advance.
8:13:33
